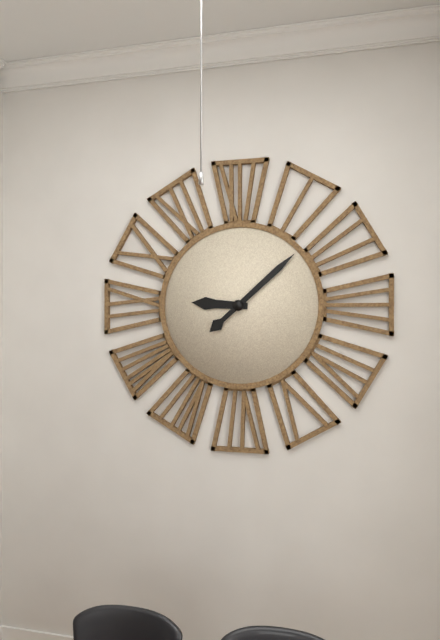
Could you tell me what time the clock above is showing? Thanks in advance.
9:08
